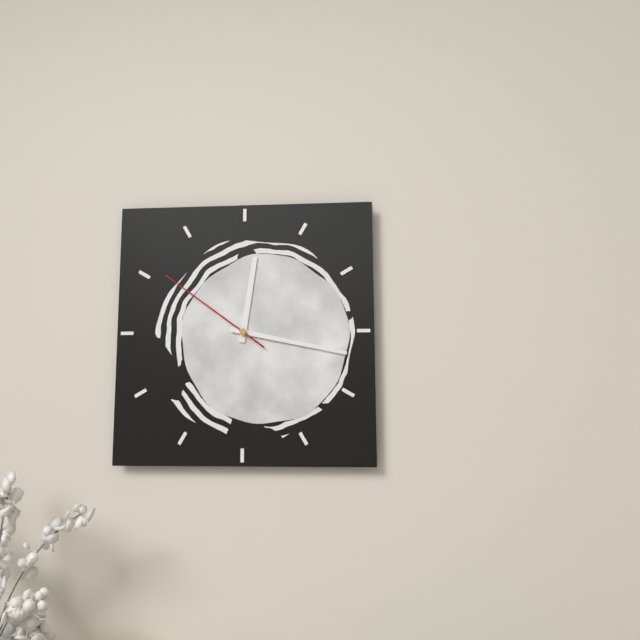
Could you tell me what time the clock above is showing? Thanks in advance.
12:17:51
